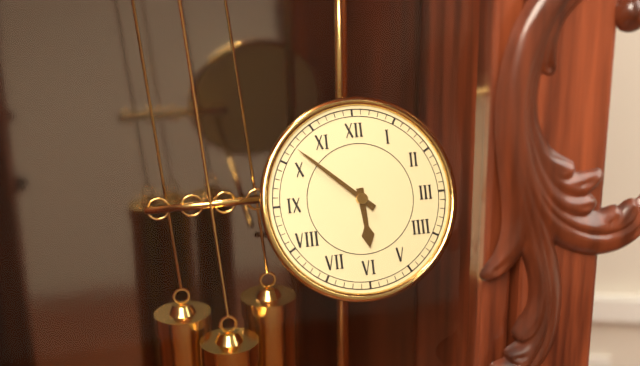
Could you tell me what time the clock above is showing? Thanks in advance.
5:52
